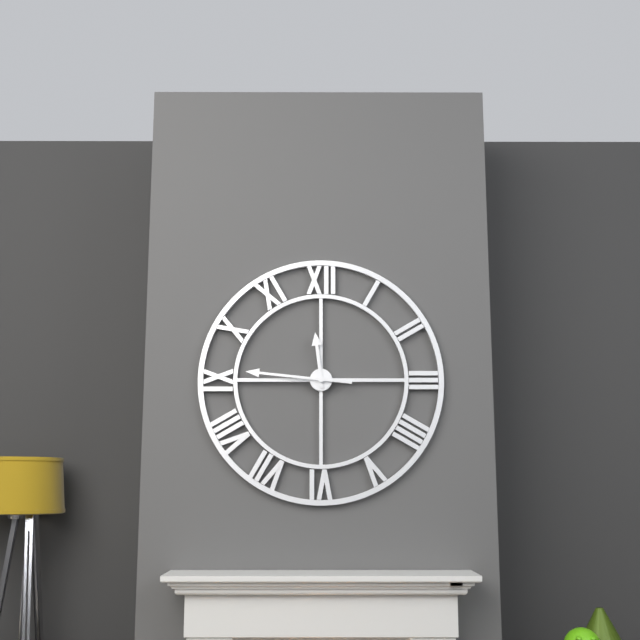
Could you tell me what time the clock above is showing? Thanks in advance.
11:46
